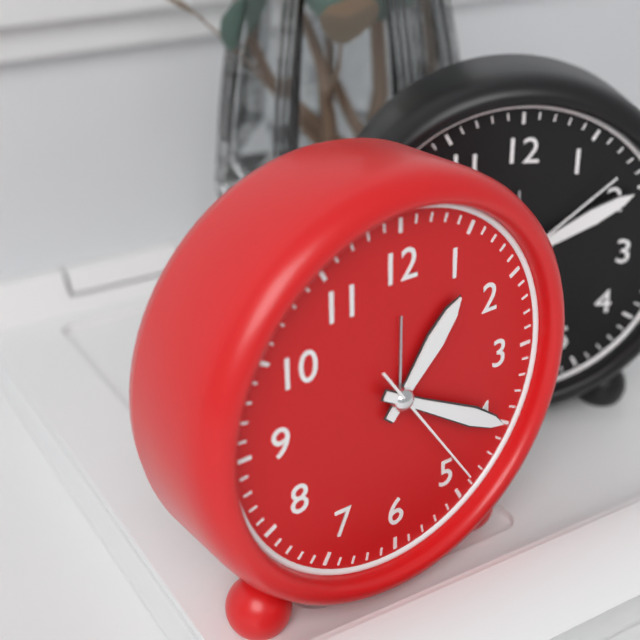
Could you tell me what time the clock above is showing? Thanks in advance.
1:20:24
